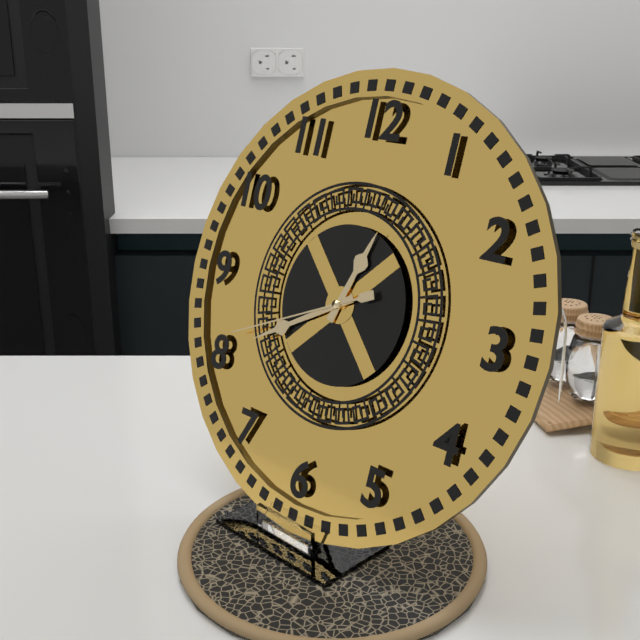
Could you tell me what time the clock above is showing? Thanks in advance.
12:40:41
